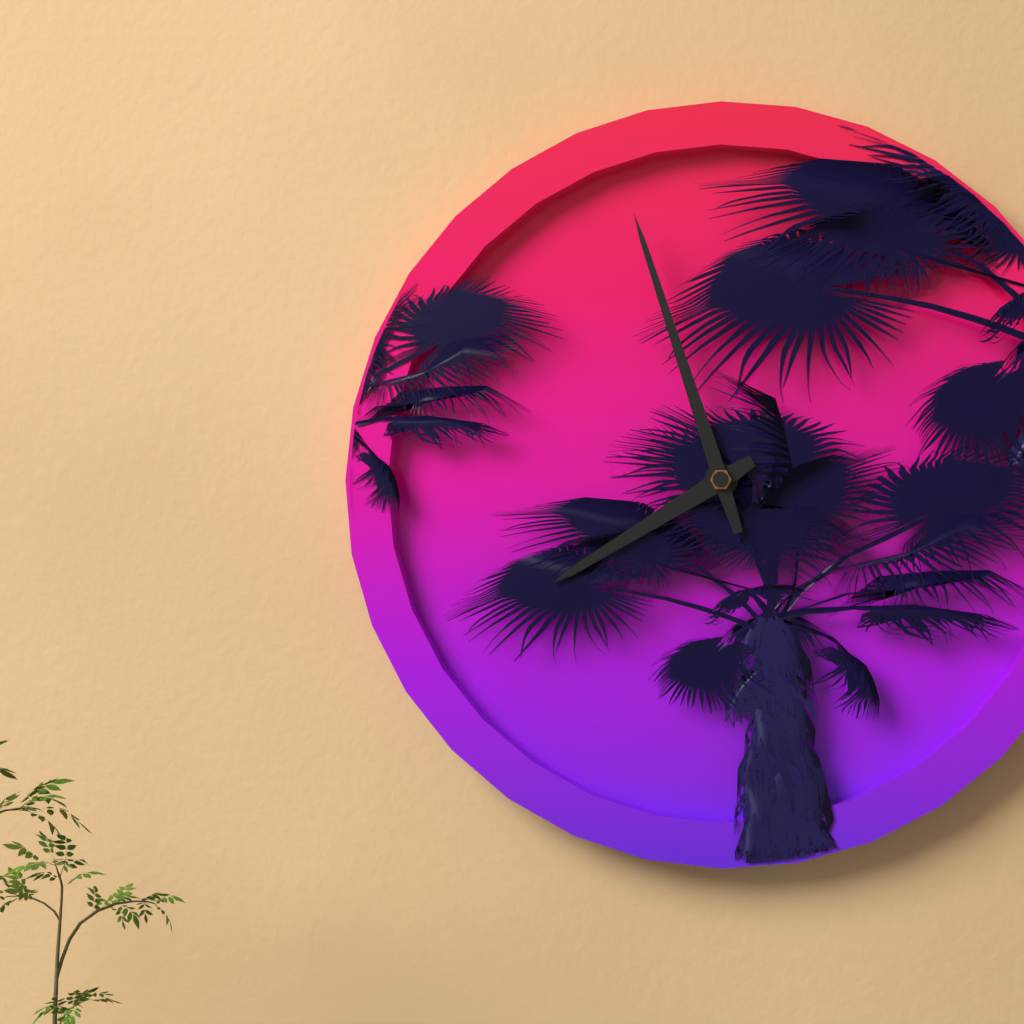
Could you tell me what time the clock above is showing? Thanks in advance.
7:57
